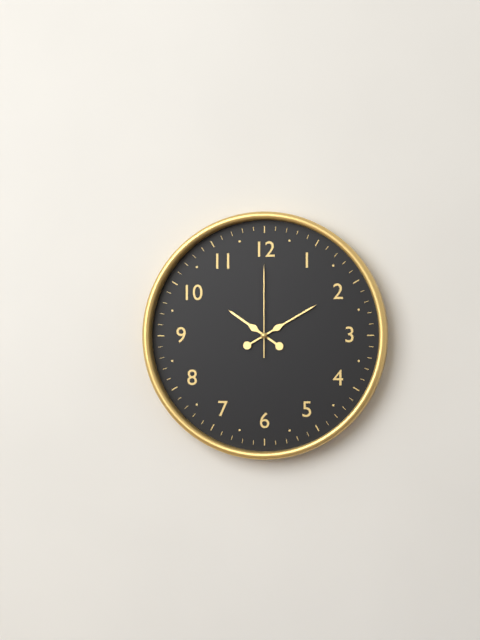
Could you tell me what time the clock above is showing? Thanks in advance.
10:10:00
